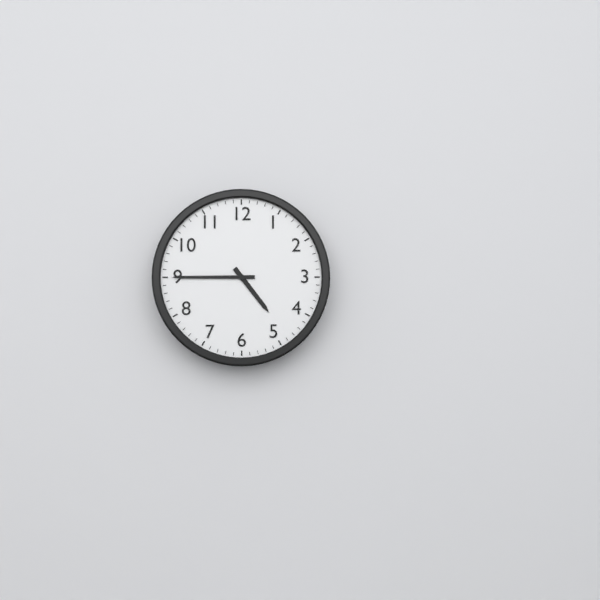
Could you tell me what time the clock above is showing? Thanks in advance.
4:45
